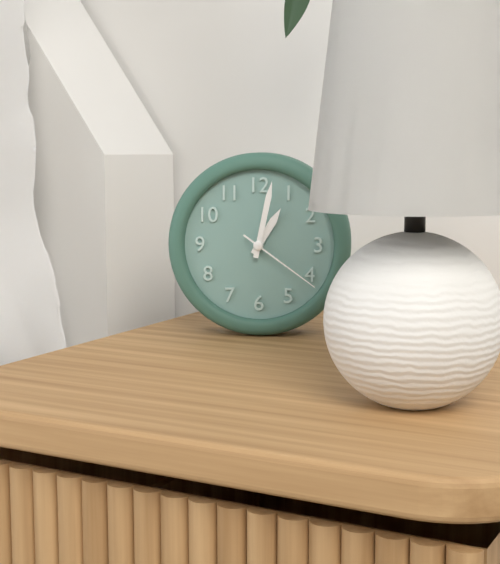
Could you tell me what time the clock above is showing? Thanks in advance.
1:02:21
